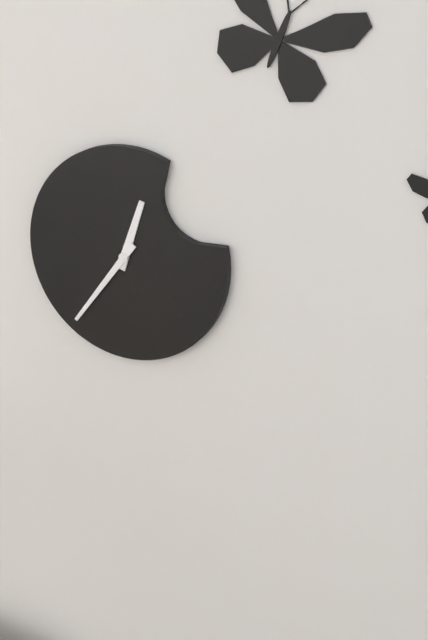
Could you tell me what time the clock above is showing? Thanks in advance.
12:36
